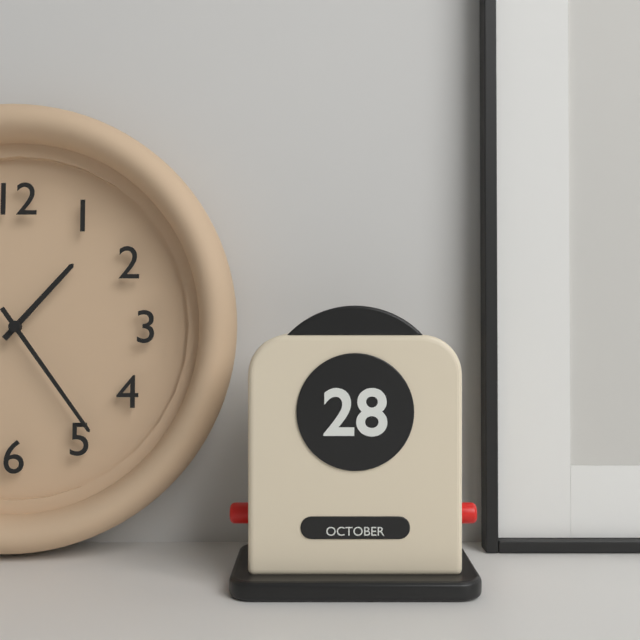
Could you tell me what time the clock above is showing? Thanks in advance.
1:24
